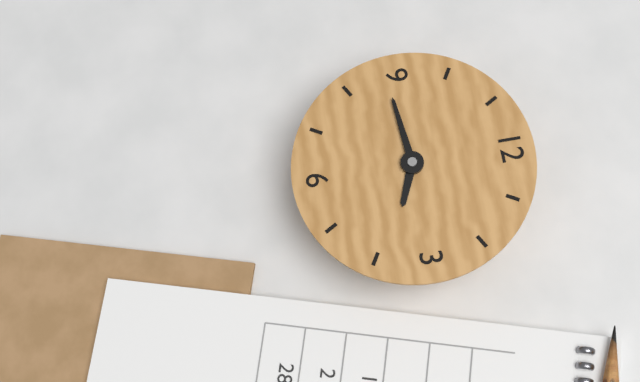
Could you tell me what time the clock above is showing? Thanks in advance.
3:44
